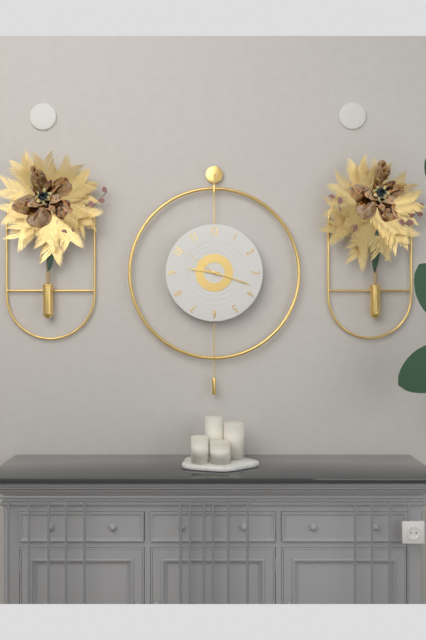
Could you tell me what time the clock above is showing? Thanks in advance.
9:18
